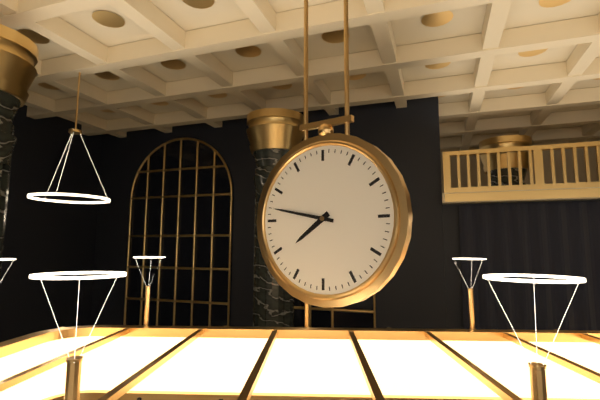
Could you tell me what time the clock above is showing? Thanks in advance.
7:47
